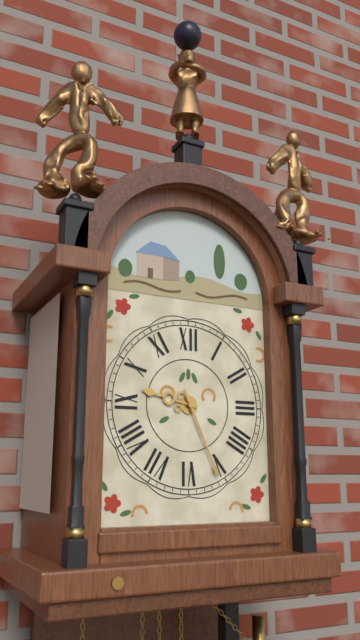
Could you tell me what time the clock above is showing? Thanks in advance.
9:26
